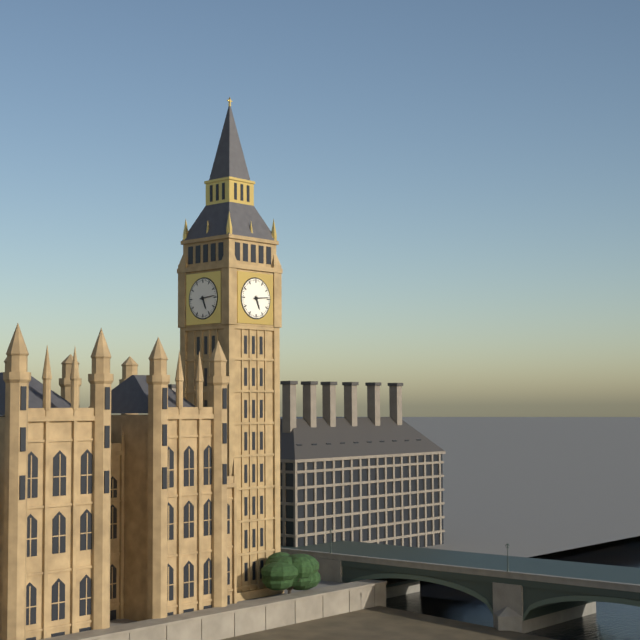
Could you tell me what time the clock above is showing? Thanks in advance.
5:14
